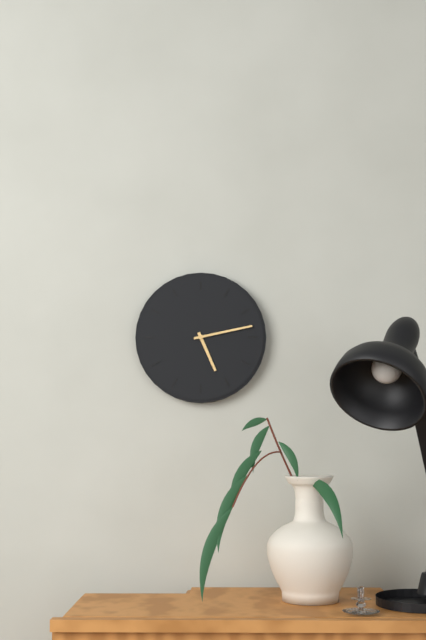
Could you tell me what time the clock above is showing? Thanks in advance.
5:13
